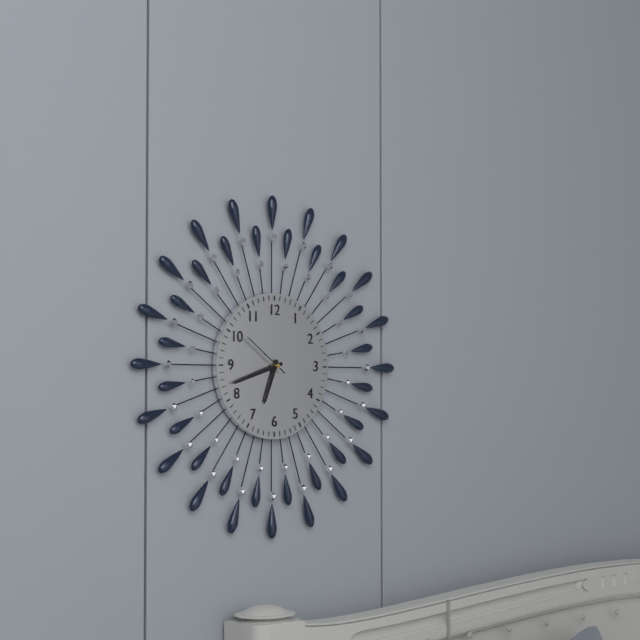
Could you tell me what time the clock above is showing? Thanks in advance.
6:42:51
